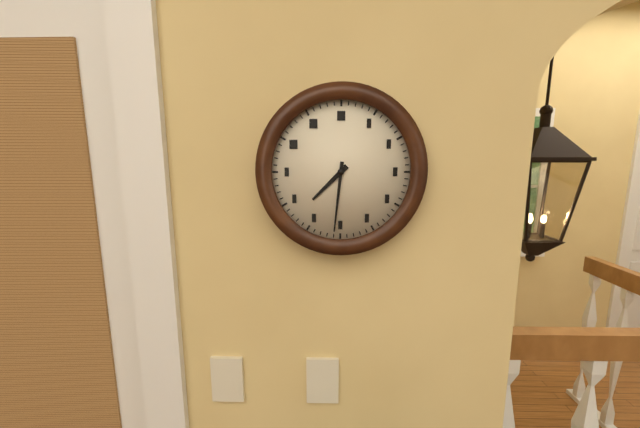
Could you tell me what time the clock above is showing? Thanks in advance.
7:31
